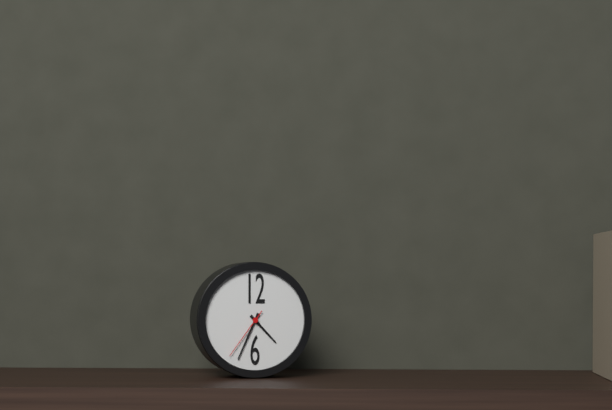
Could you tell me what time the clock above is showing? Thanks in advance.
4:34:36
